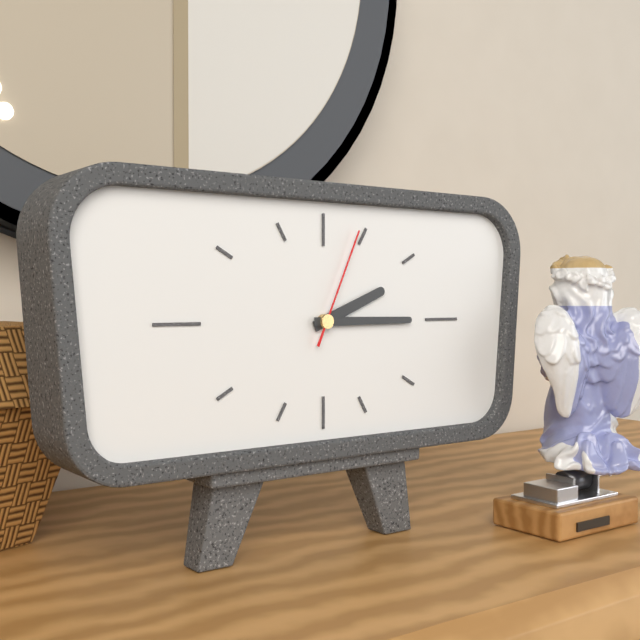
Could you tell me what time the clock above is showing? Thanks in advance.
2:15:04
